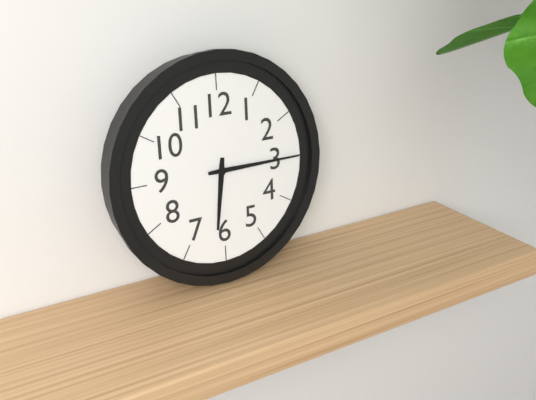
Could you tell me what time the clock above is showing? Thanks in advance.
6:15
